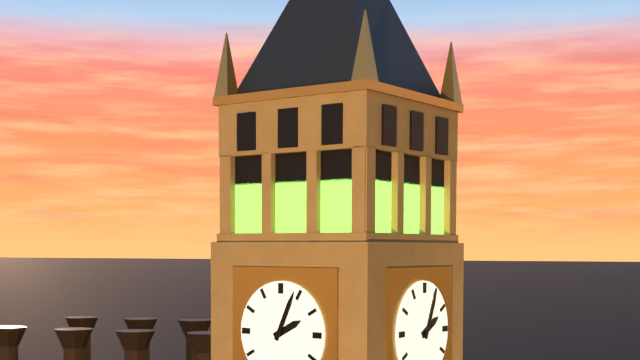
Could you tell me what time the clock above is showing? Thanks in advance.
2:04
